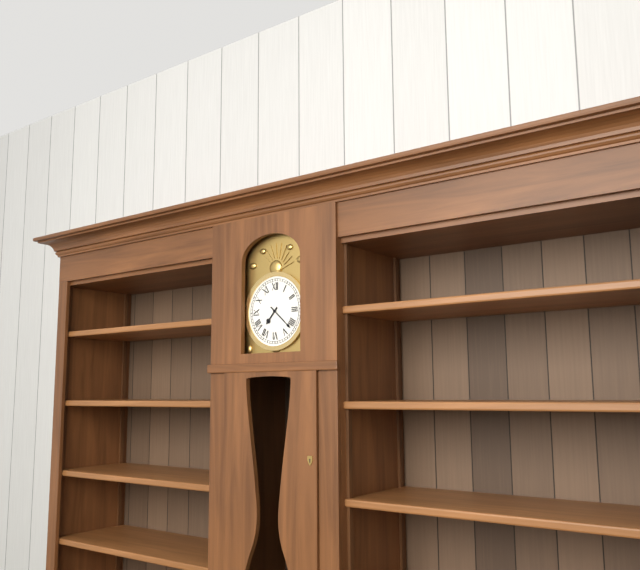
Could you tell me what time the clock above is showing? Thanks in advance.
7:22
